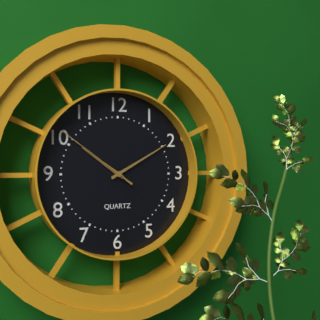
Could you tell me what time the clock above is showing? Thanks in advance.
10:10:51
